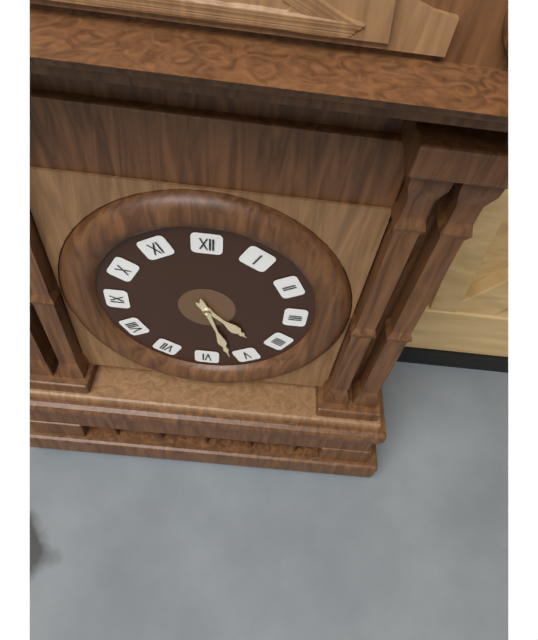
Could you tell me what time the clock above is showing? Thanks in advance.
4:27
